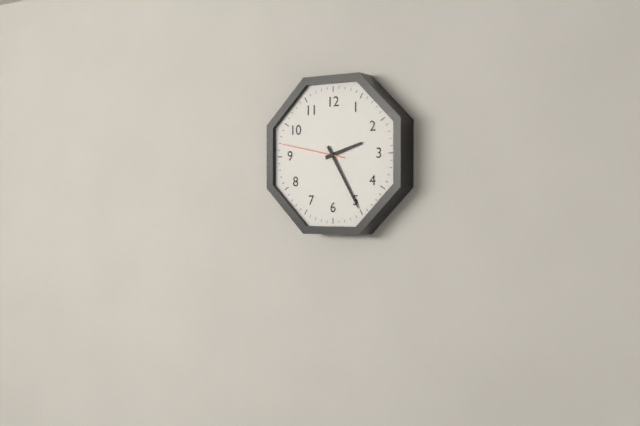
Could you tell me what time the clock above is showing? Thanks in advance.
2:25:47
